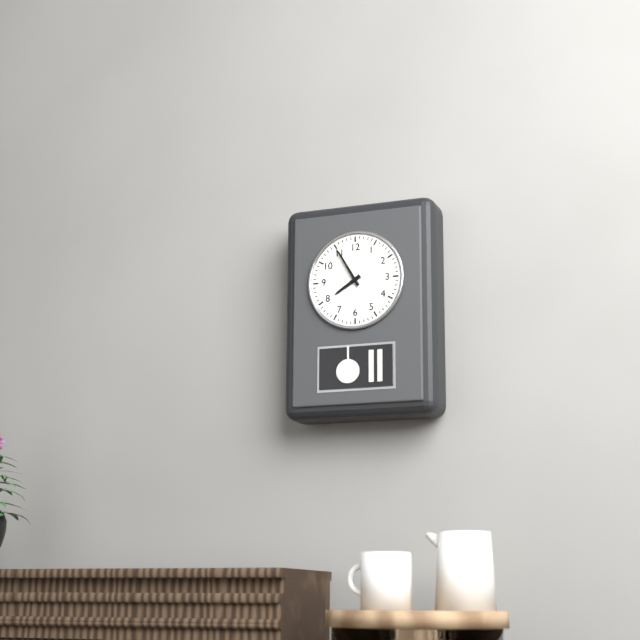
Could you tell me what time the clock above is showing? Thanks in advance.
7:55
